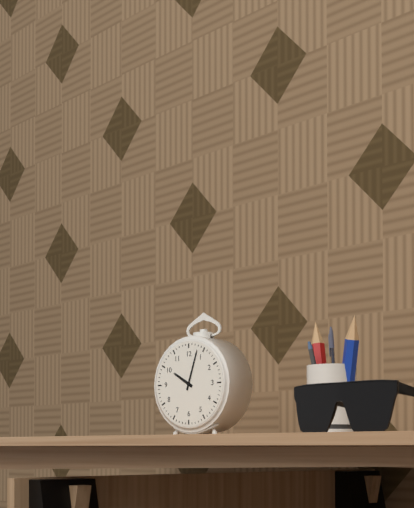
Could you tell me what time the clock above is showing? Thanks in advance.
10:03
